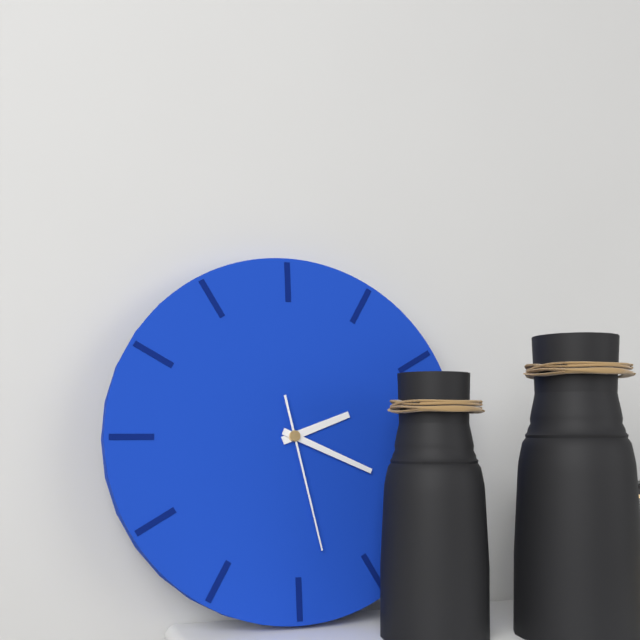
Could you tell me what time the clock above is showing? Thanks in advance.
2:19:28
